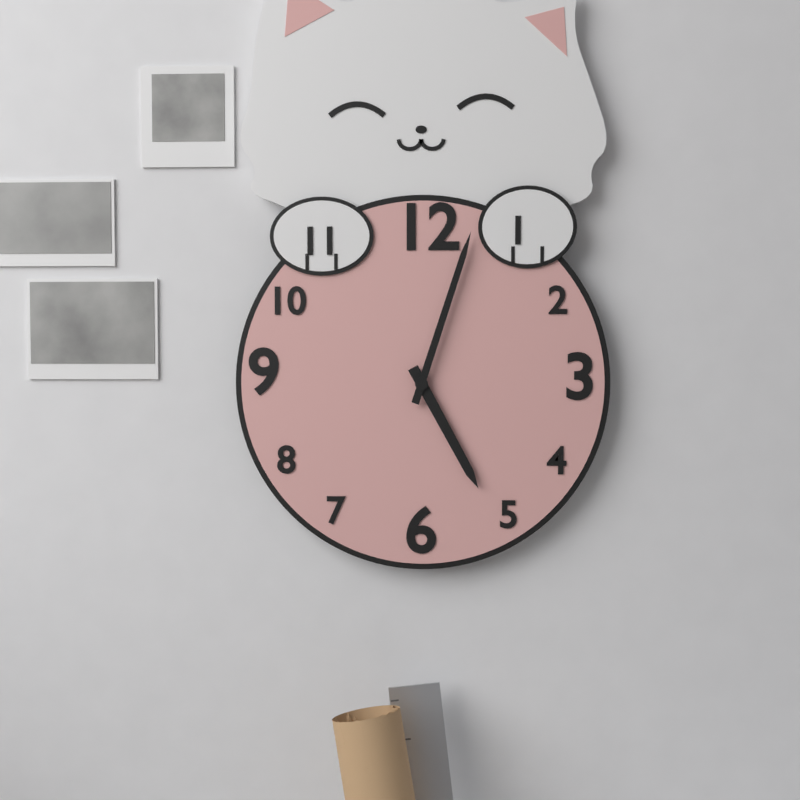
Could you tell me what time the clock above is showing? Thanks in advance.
5:03
